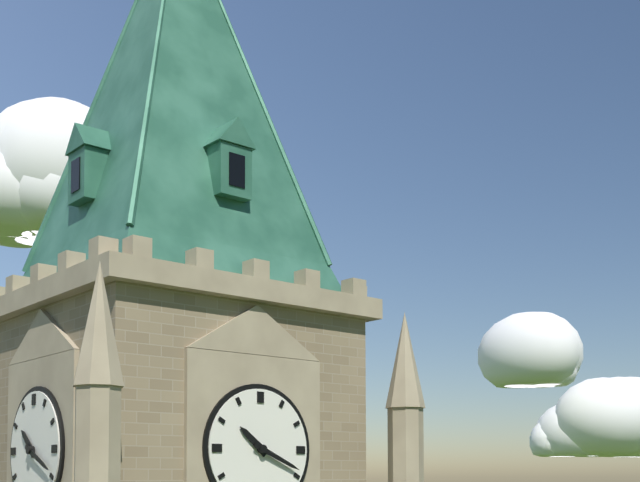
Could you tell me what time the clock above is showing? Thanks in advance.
10:19
